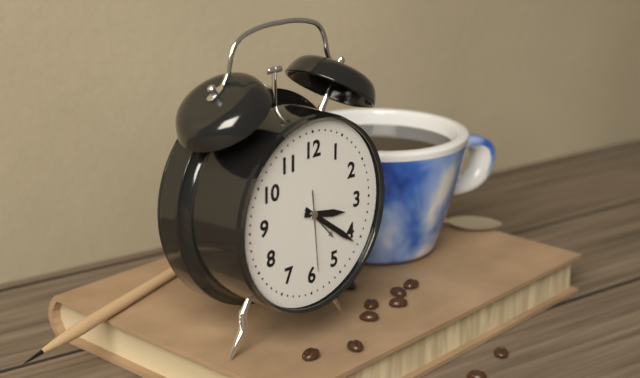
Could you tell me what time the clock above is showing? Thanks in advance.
3:21:29
